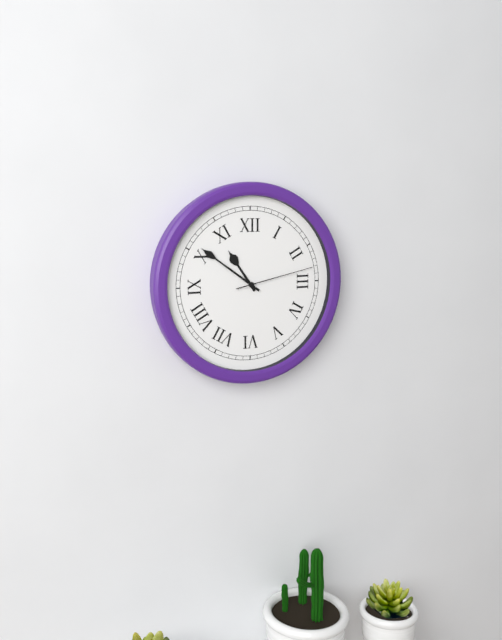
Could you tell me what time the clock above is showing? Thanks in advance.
10:51:13
